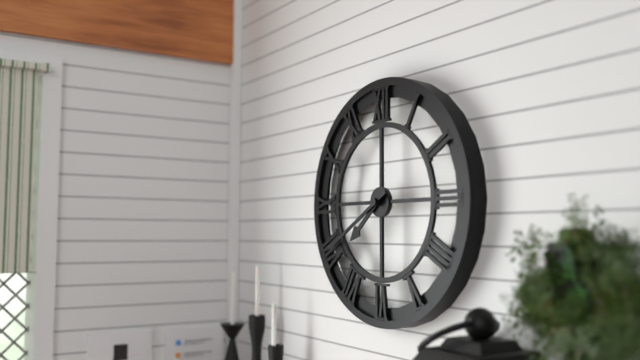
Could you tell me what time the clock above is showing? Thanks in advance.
7:40
